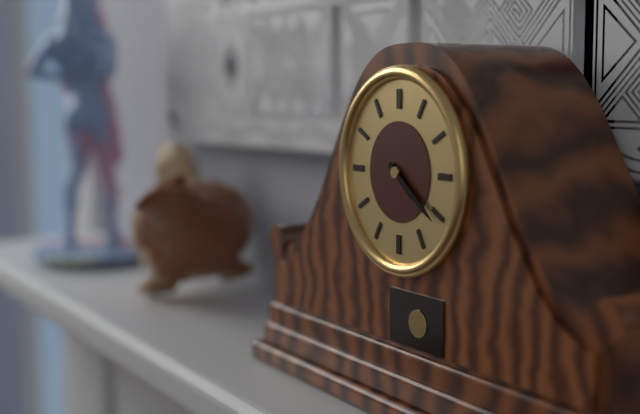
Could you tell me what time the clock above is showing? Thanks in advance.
4:21
